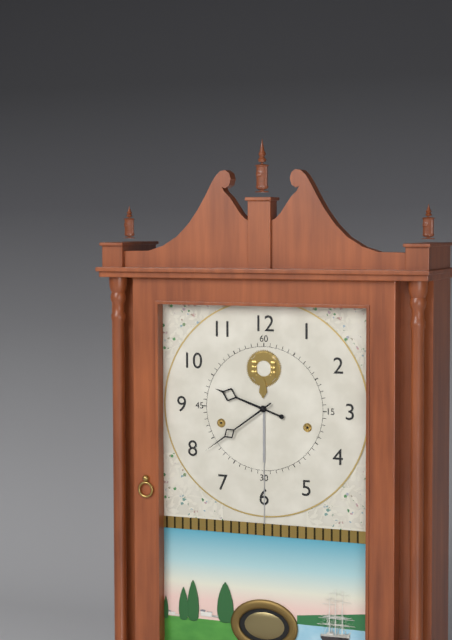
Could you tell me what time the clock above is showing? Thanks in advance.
9:39
